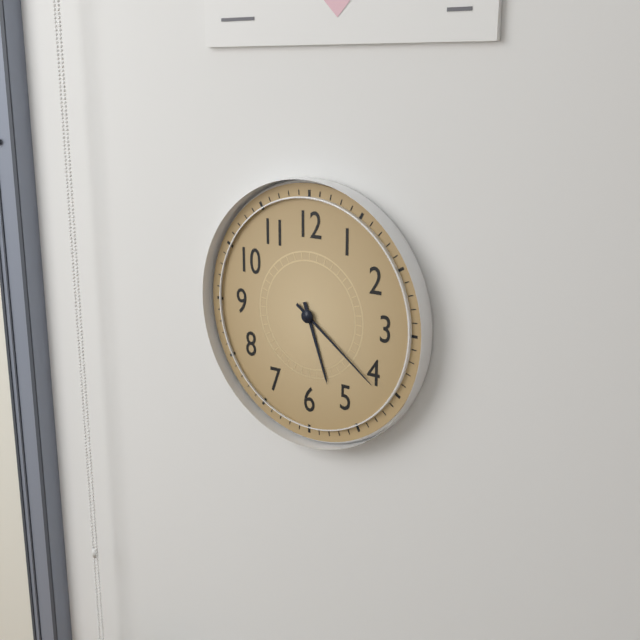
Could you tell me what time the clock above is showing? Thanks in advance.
5:21
